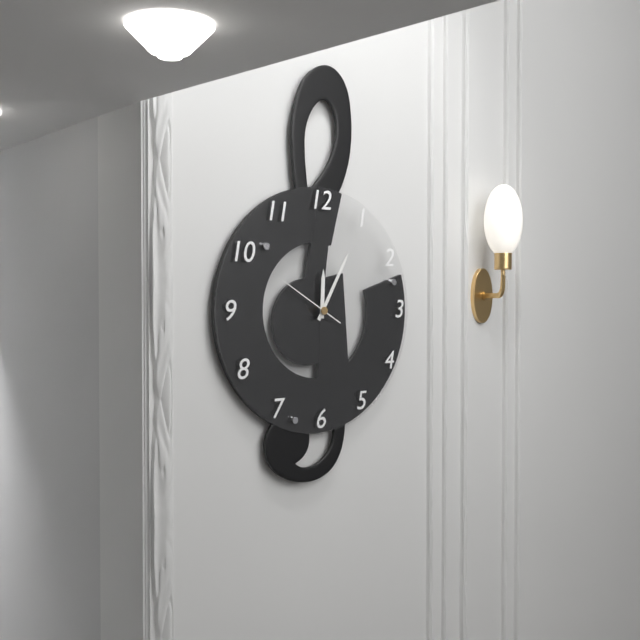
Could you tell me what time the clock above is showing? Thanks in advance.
12:05:50
